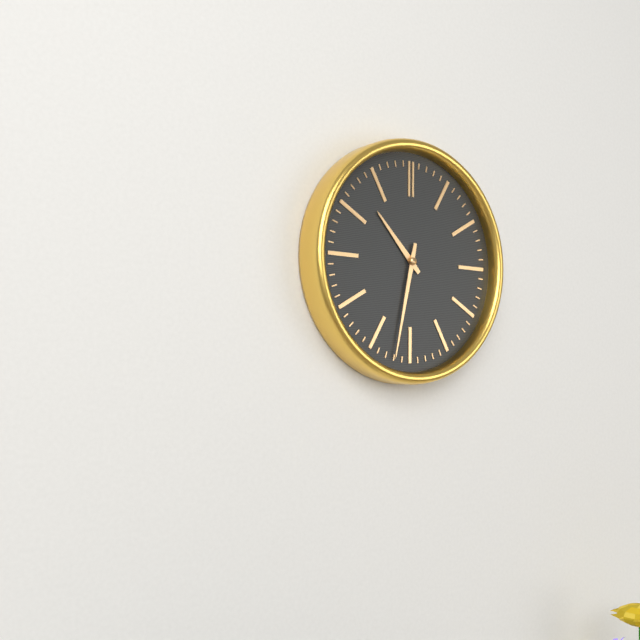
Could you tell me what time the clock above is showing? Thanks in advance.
10:32
